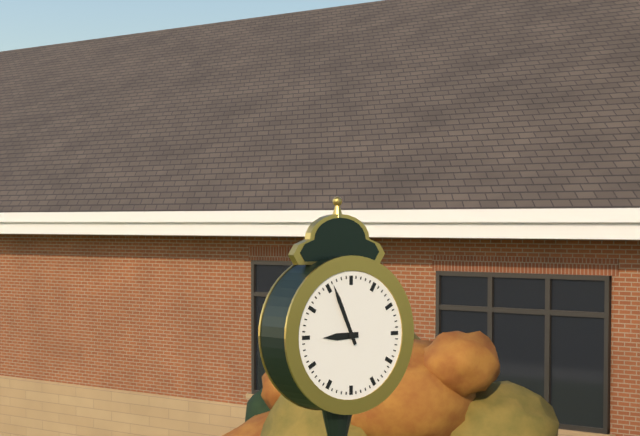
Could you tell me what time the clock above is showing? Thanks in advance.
8:56
